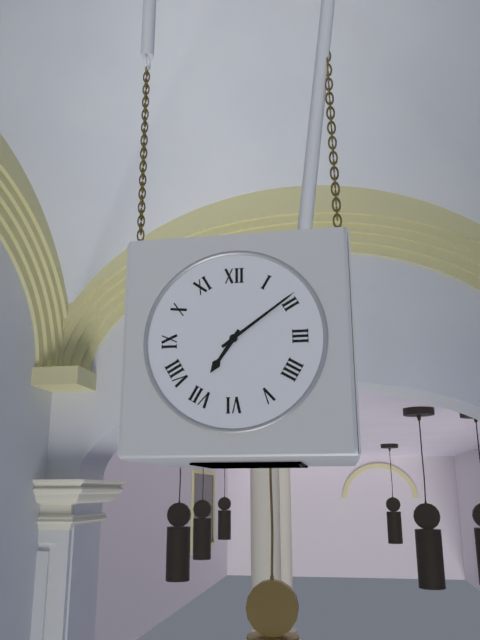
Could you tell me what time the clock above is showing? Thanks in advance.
7:09
